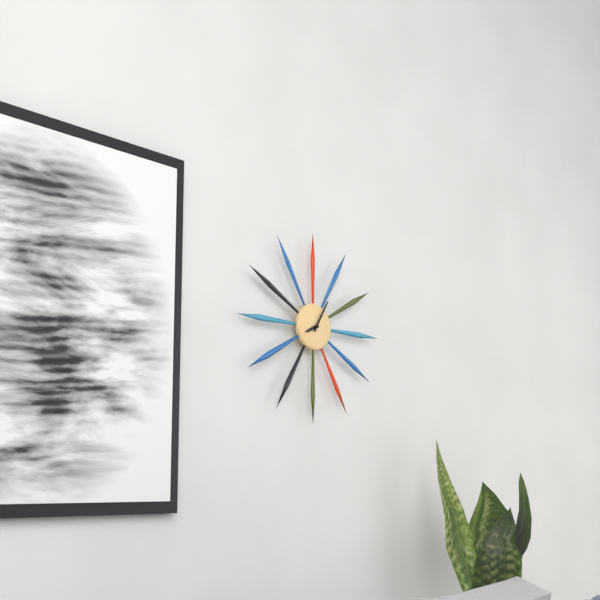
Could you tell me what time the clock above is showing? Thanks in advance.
8:05
